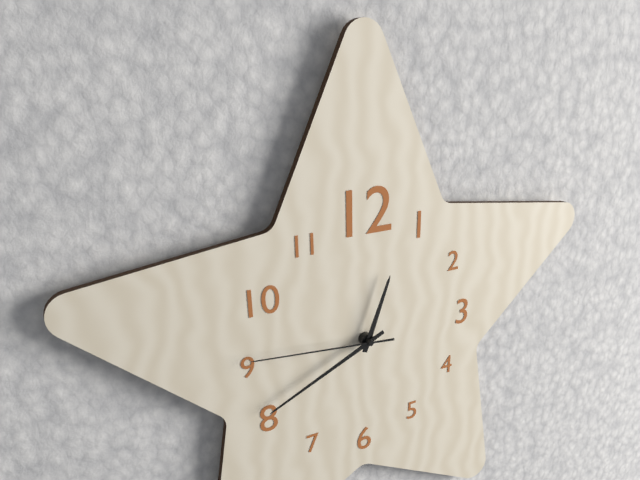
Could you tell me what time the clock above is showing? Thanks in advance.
12:41:46
